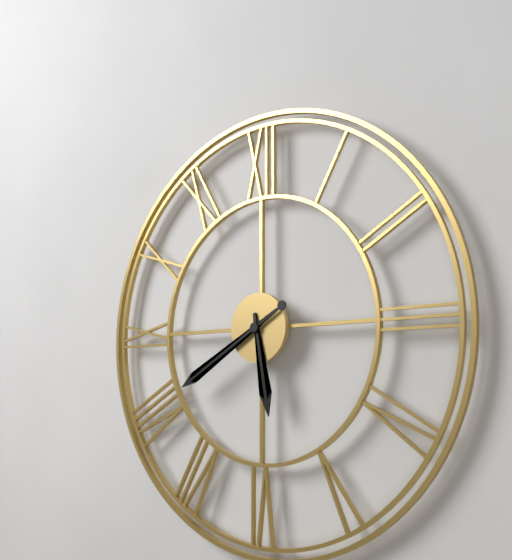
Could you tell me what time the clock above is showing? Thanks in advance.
5:40
